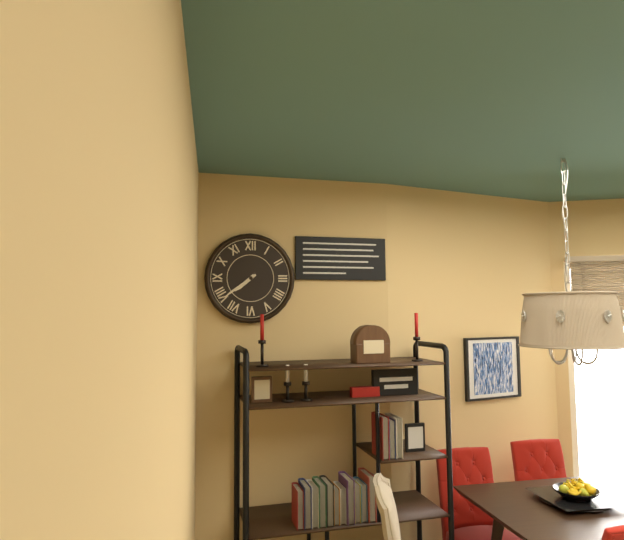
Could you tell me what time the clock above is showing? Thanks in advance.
7:39
